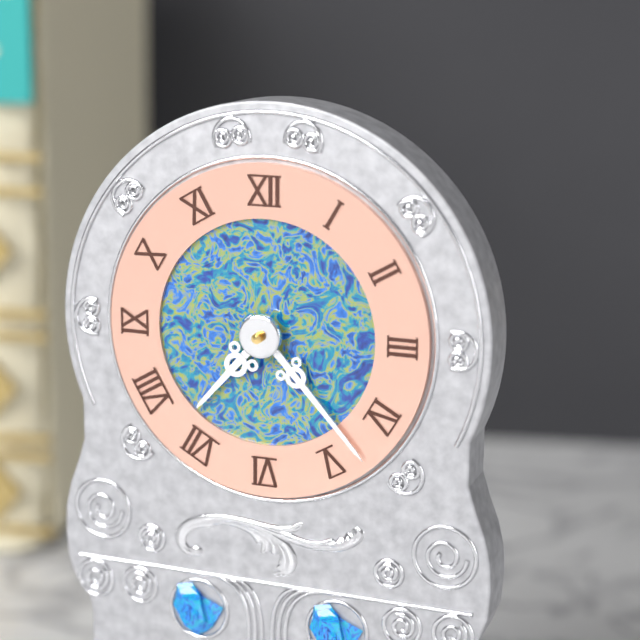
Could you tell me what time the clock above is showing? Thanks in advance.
7:23
